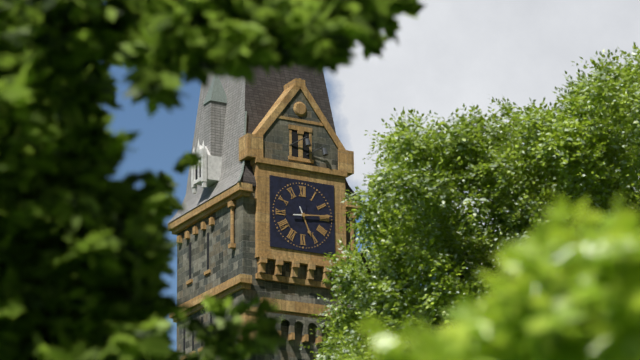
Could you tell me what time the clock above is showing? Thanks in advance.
5:14
